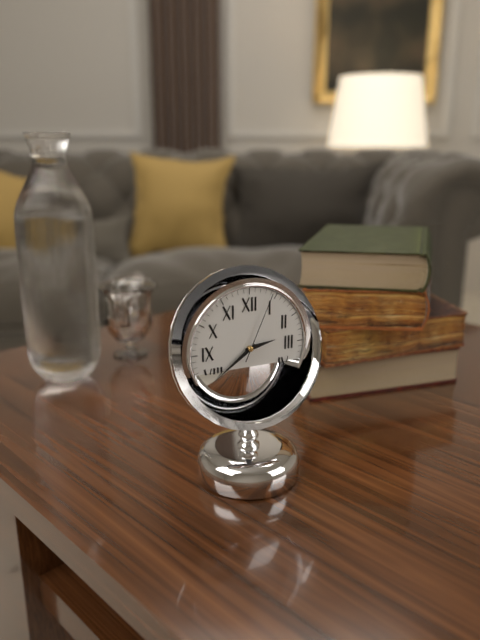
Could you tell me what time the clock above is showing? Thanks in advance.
2:39:04
